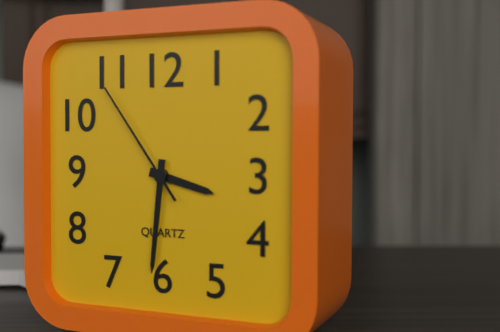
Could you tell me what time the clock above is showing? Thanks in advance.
3:31:54
